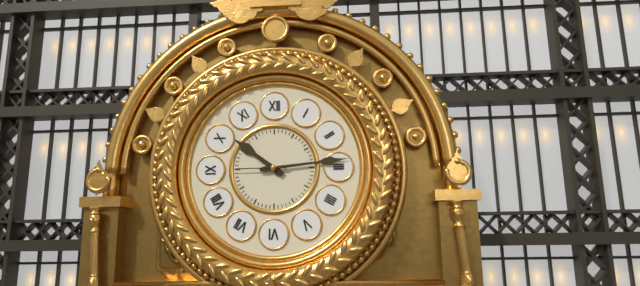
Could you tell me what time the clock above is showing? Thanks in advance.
10:14
